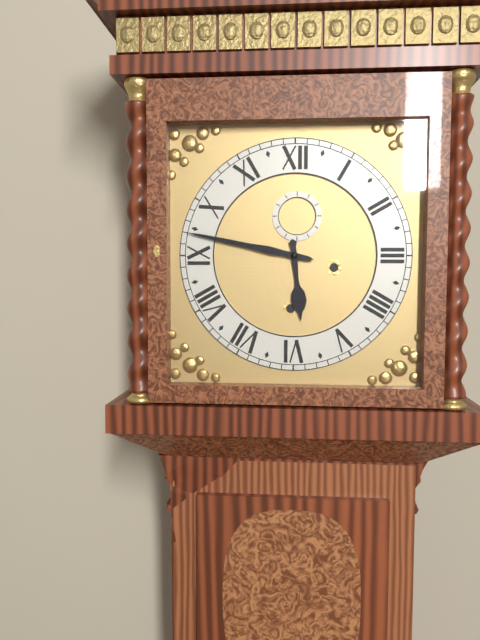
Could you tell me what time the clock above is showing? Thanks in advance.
5:47
